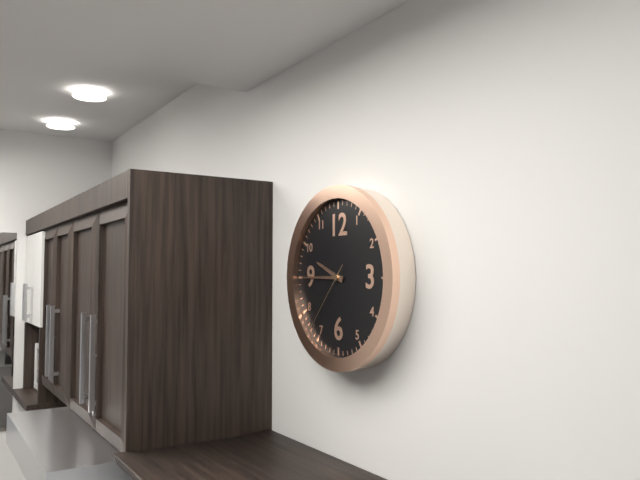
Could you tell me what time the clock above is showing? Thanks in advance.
9:45:37
